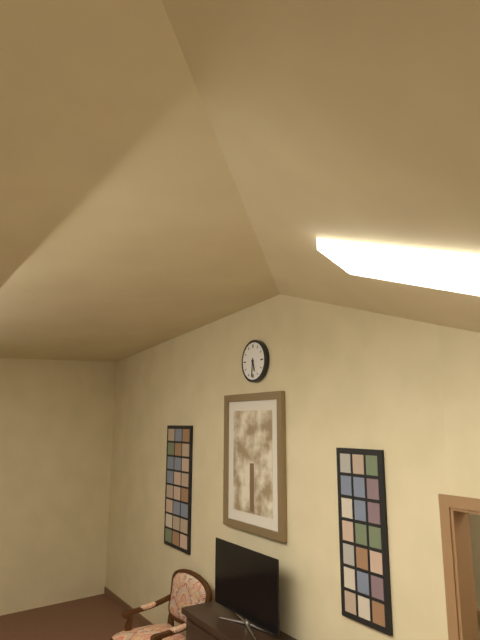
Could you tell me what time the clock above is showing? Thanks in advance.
5:31
